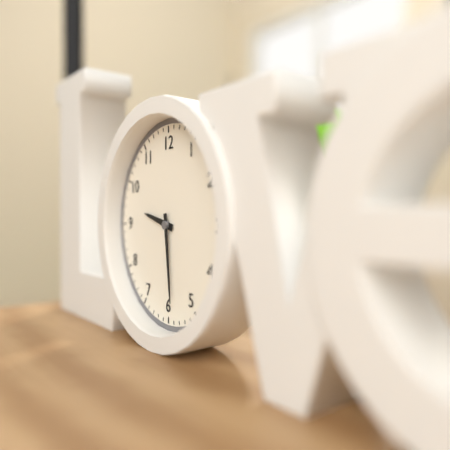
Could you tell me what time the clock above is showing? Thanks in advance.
9:29
